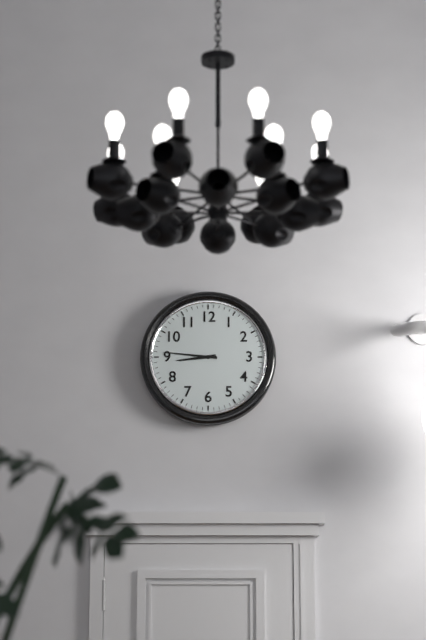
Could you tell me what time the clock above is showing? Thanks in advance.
8:46
